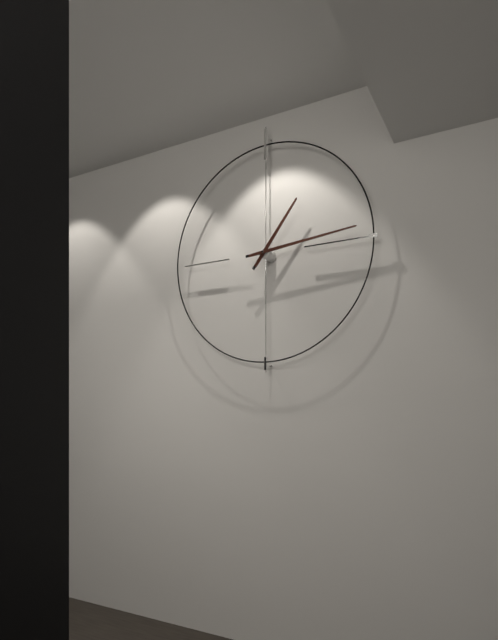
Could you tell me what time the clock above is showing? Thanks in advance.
1:14
